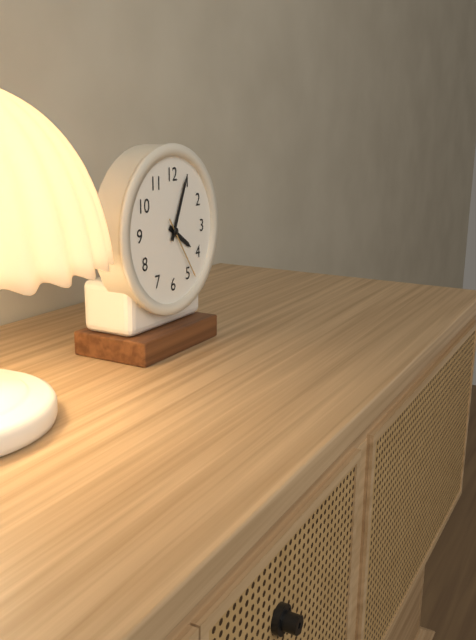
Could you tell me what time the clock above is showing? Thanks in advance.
4:04:24
